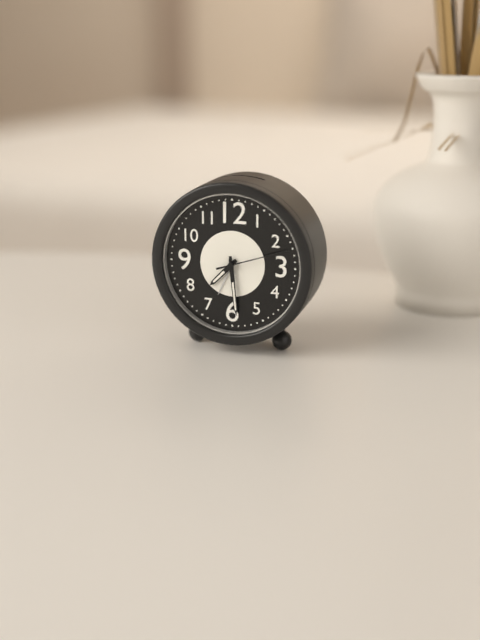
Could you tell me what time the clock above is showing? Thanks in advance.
7:29:12
